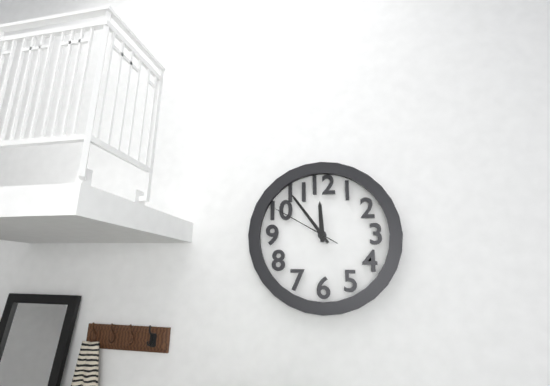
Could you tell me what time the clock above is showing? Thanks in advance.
11:54:50
